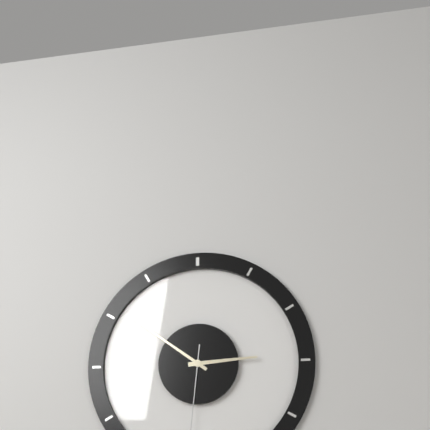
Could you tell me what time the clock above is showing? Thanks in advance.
2:51
